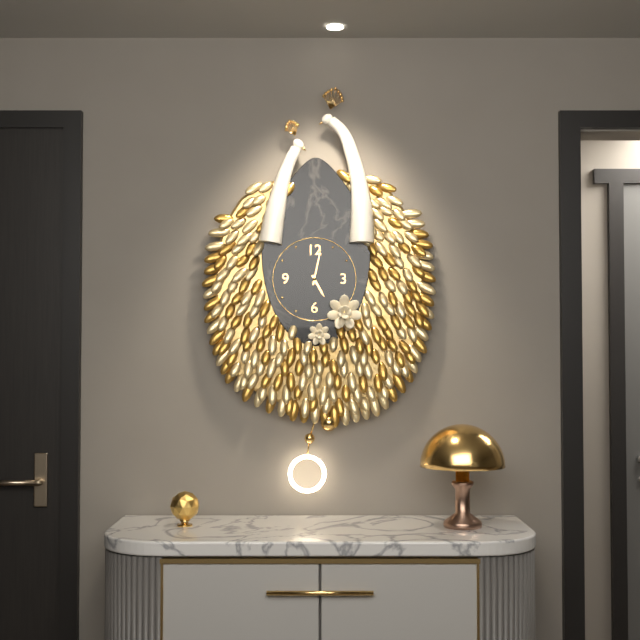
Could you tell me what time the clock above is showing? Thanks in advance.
5:02
